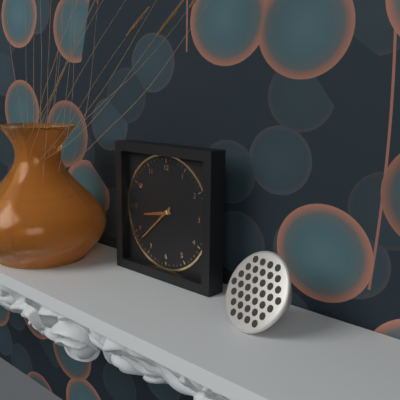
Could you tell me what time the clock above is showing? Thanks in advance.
8:38
